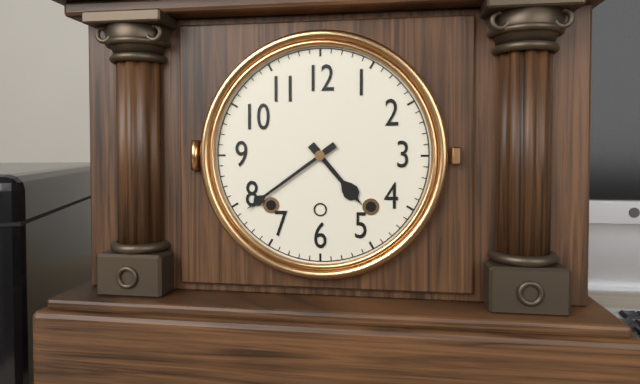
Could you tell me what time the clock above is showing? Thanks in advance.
4:39
